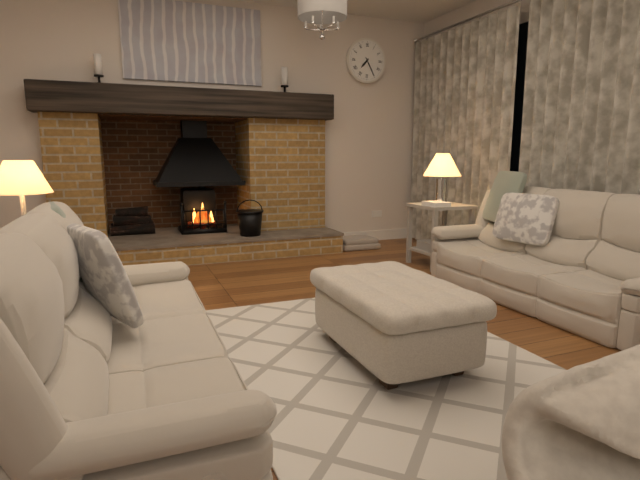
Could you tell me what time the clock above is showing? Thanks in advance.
7:25
